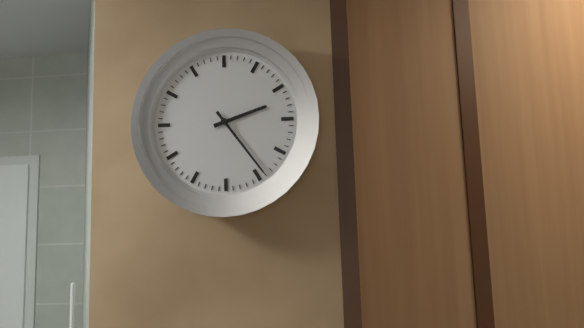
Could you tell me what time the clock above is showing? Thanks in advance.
2:24
